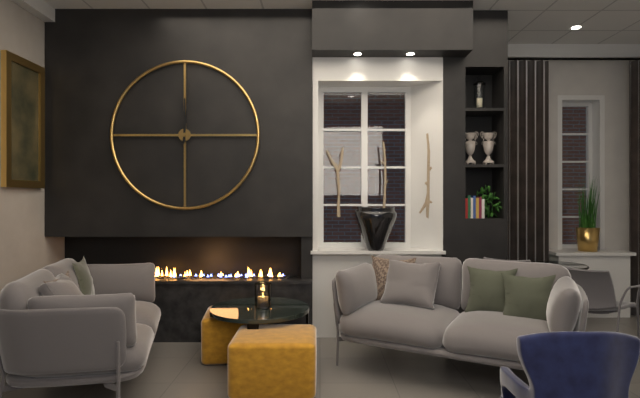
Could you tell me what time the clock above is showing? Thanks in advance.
12:01
